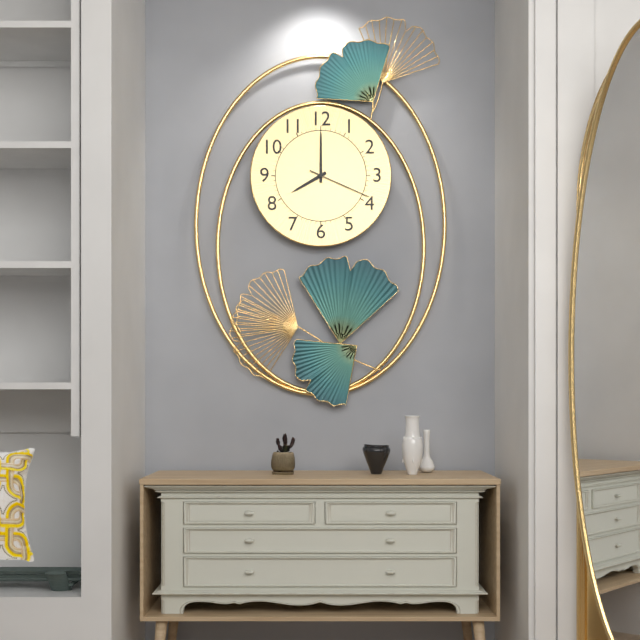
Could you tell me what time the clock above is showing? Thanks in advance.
8:00:19
